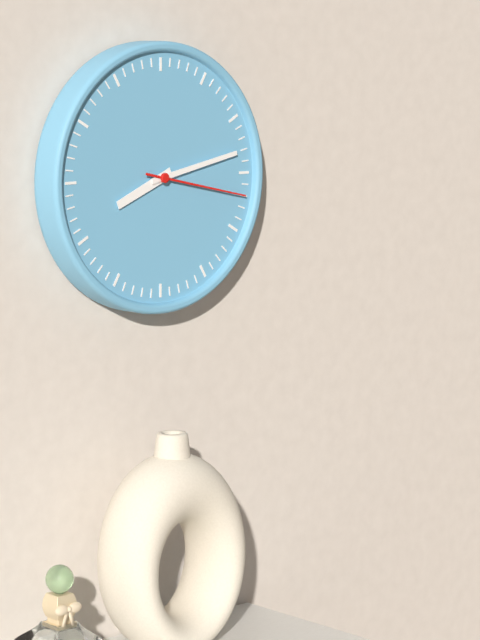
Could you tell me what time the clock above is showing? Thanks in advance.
8:13:17
